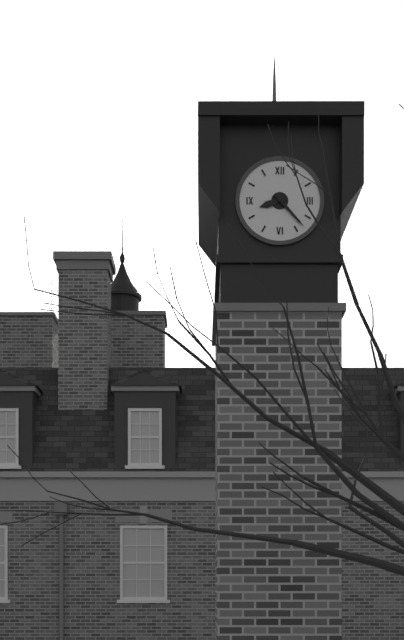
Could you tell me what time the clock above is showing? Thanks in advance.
8:23
